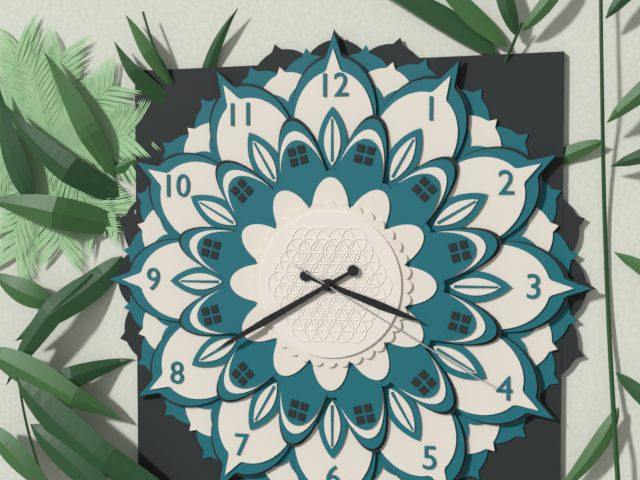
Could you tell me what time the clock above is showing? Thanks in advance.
3:40:20
